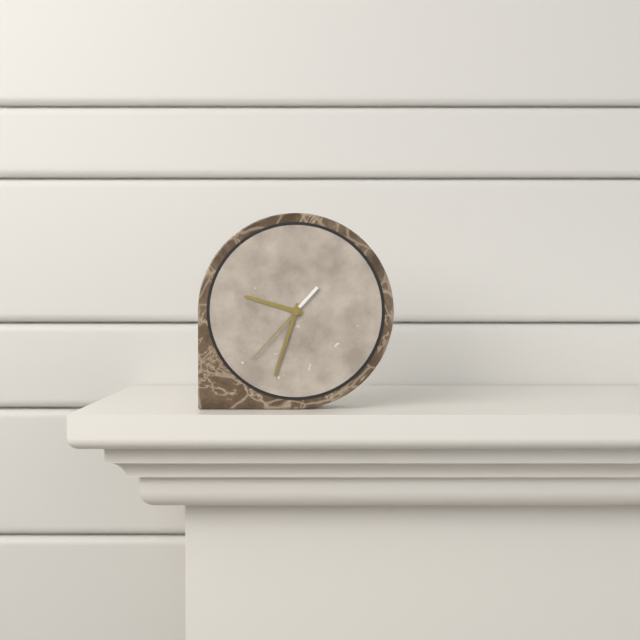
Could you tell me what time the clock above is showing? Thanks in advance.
9:33:37
